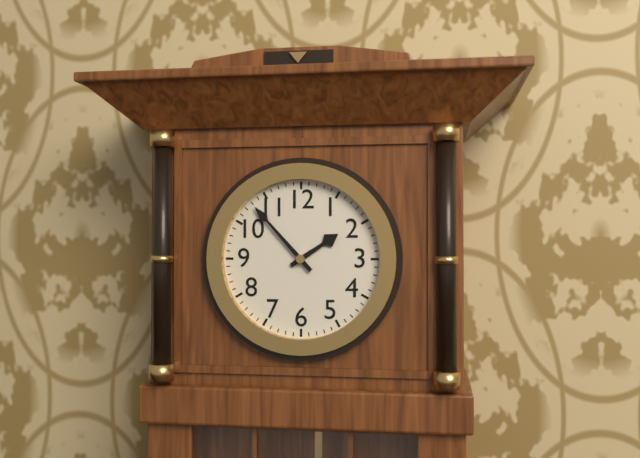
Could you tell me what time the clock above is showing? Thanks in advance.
1:53
